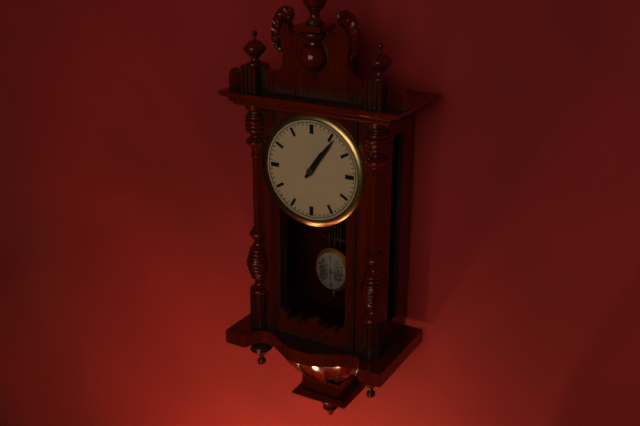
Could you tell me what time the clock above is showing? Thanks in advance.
1:06
